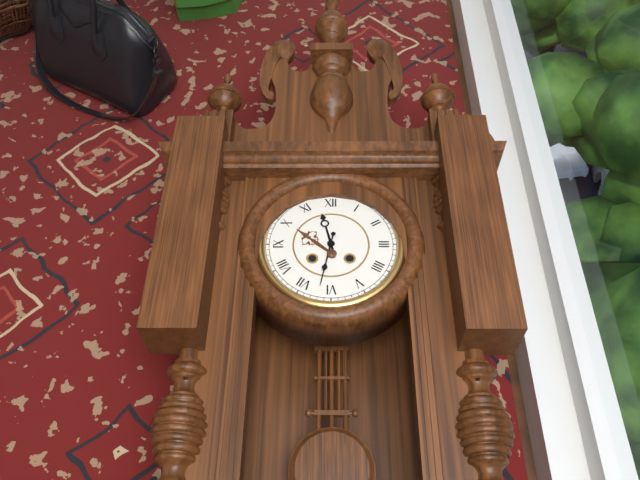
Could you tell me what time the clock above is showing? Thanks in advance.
11:32
